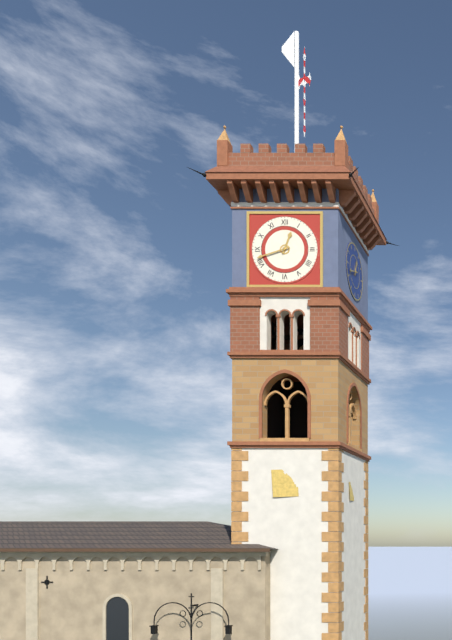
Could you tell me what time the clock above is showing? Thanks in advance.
12:42
